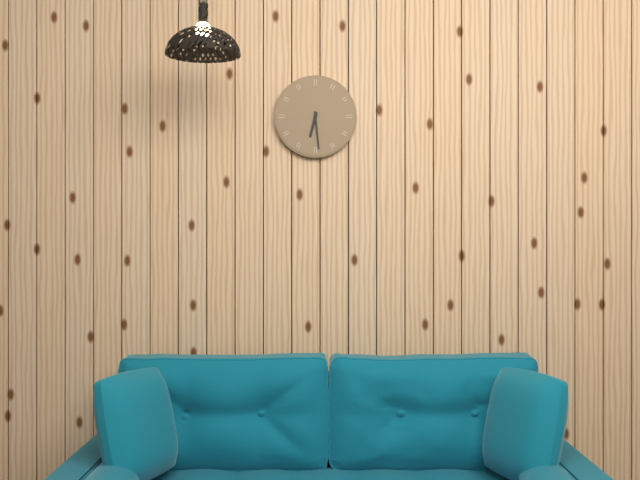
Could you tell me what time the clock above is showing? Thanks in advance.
6:29
